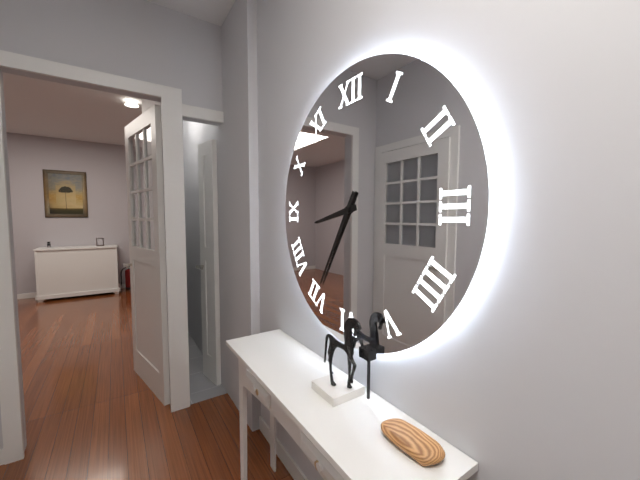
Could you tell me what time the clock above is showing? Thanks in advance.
8:35
